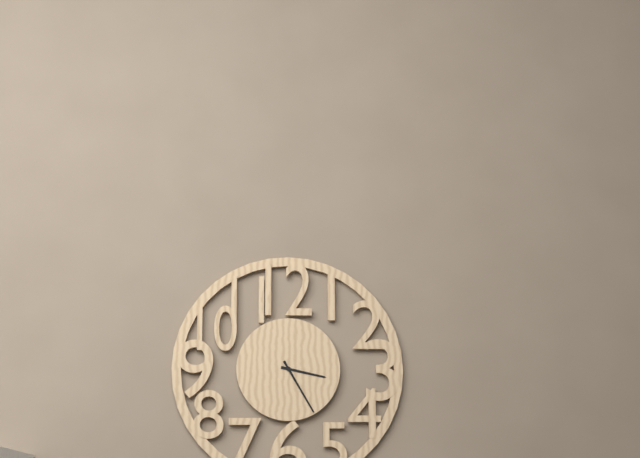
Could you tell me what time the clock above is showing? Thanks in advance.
3:25
